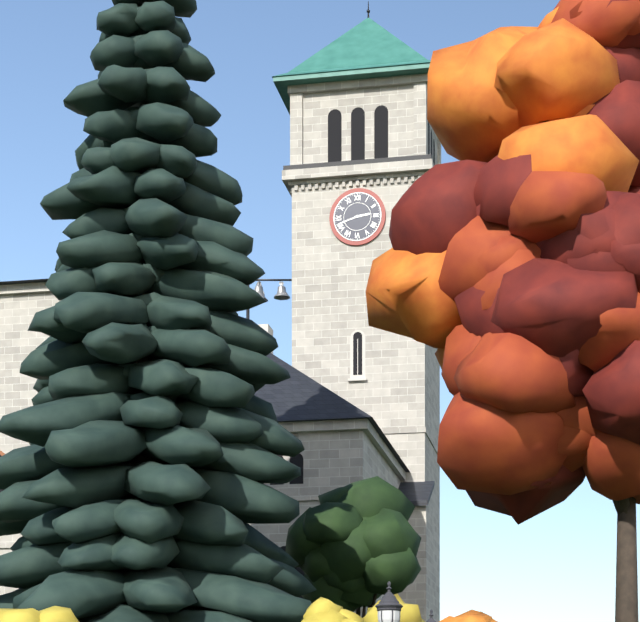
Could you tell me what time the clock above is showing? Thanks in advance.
2:42
